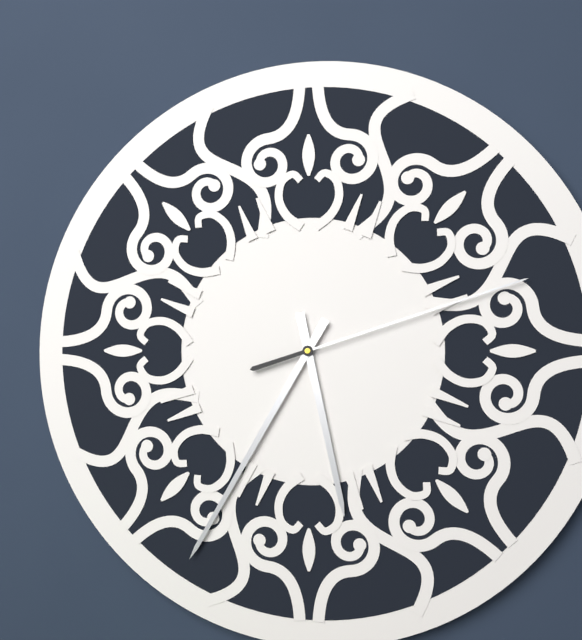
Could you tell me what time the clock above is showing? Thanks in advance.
5:35:12
